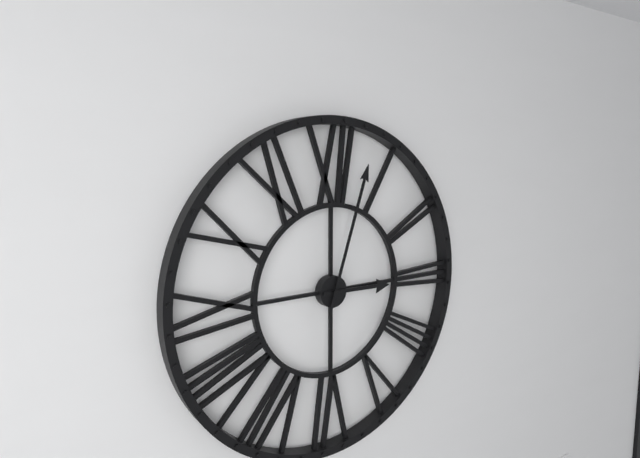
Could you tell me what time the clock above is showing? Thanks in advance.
3:03
